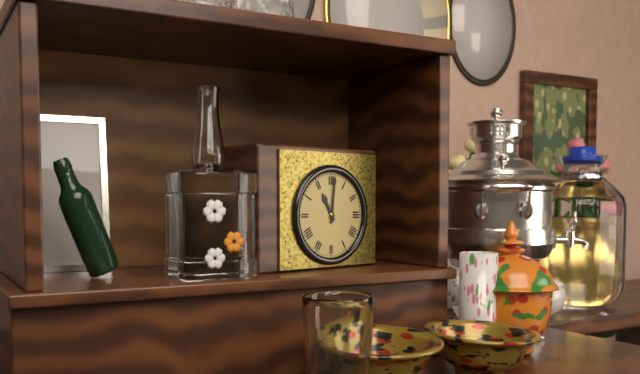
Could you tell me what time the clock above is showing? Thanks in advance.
11:01
